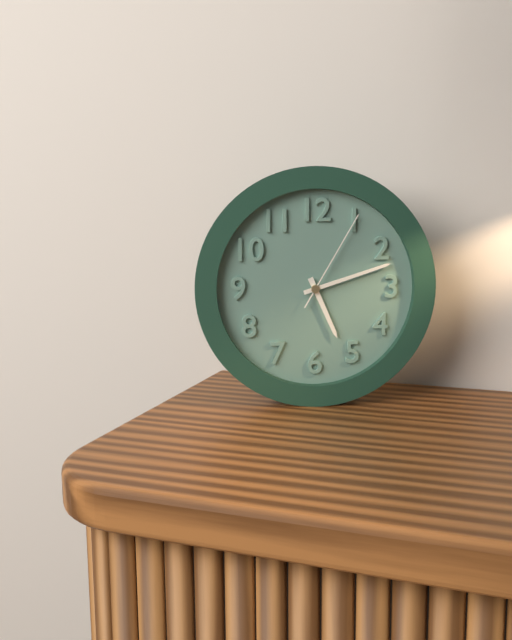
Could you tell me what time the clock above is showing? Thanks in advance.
5:12:05
